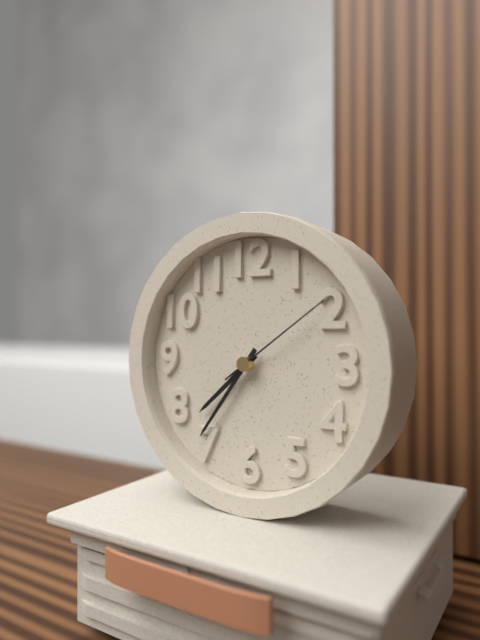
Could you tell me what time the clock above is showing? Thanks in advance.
7:36:09
